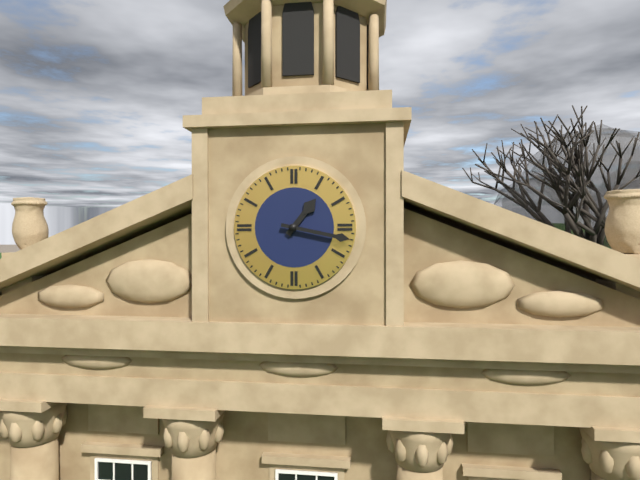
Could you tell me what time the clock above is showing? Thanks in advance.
1:17
